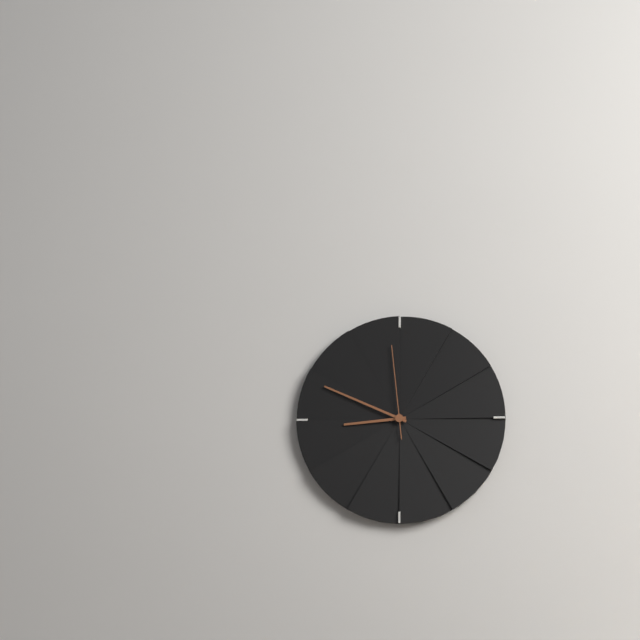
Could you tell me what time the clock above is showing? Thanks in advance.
8:49:59
